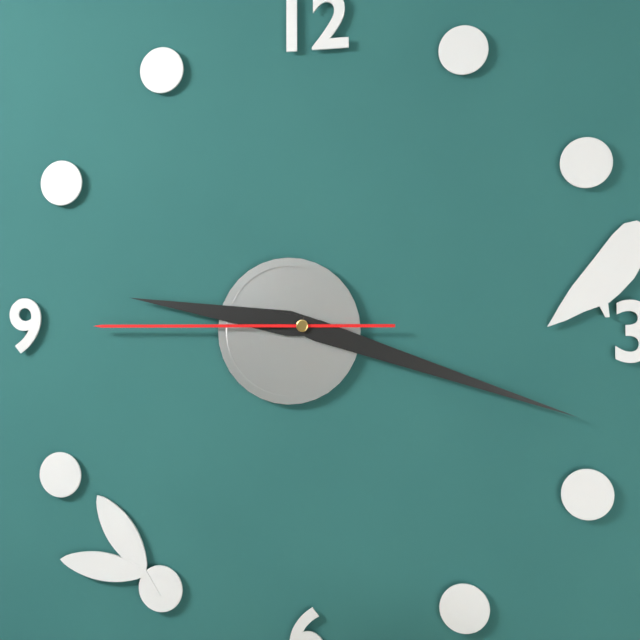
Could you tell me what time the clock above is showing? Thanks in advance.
9:18:45
